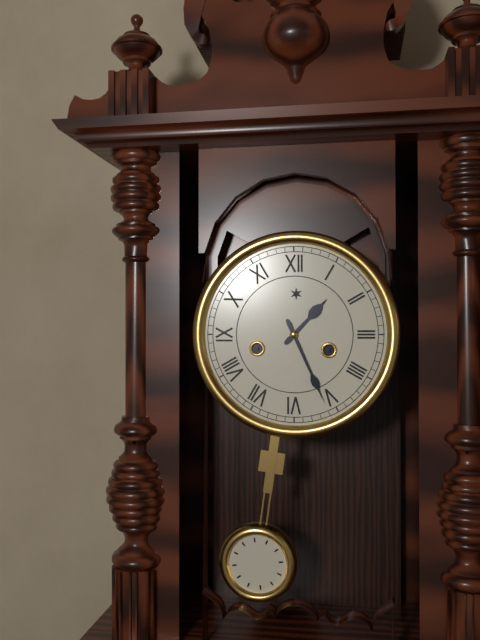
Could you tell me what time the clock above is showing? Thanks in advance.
1:26
